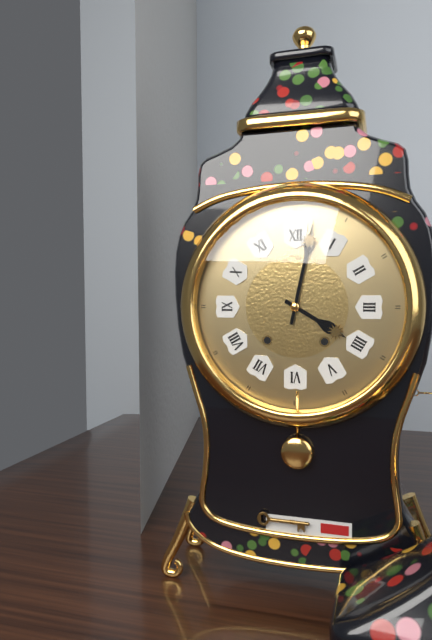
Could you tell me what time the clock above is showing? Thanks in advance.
4:02
